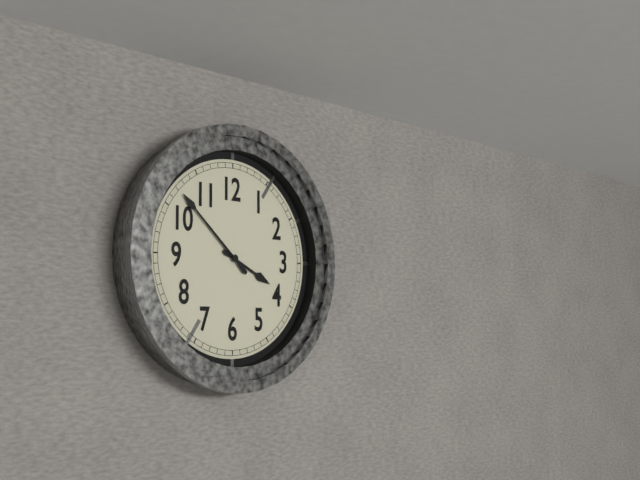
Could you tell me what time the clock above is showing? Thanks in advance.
3:52
